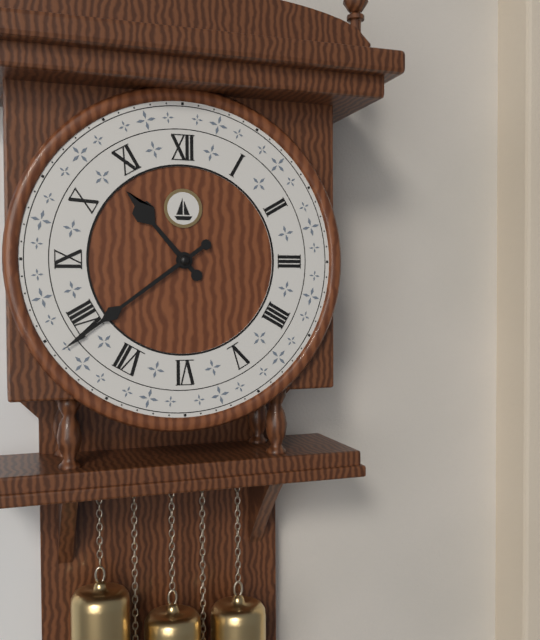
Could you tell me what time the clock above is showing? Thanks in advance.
10:39
